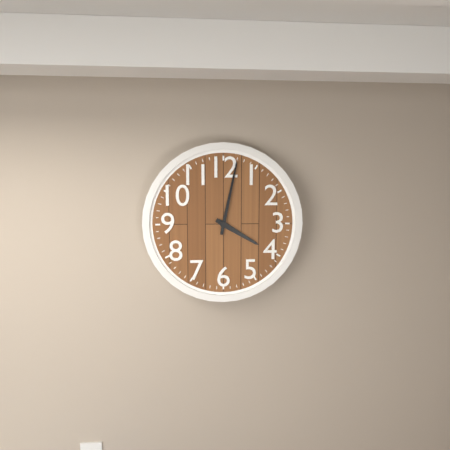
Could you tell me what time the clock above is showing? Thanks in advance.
4:02
